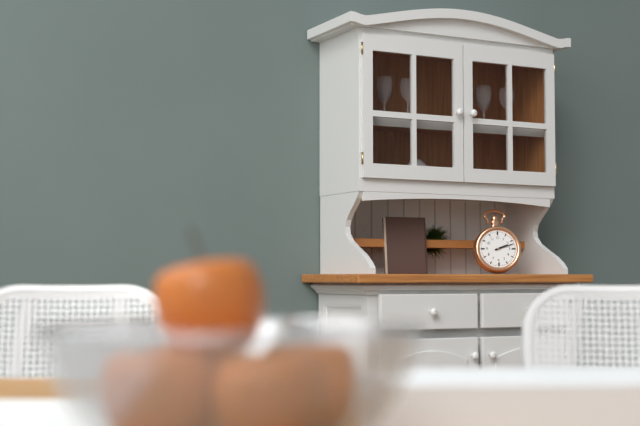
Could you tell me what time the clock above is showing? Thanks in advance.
2:12
